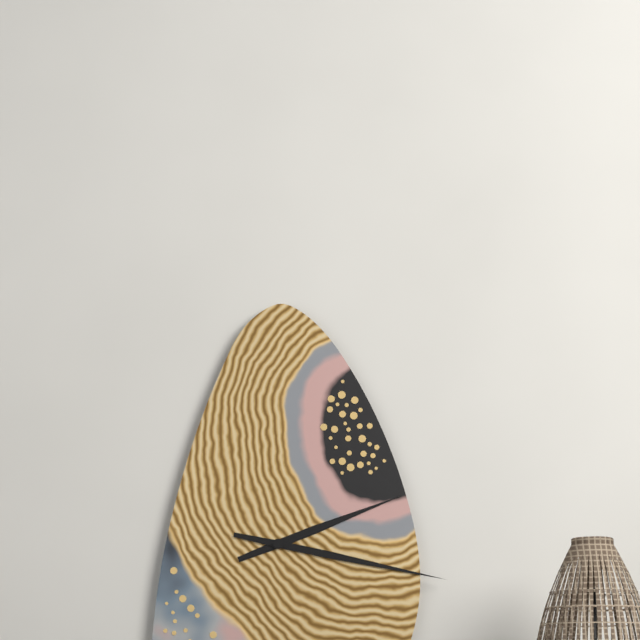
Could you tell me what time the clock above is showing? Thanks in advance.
2:17
